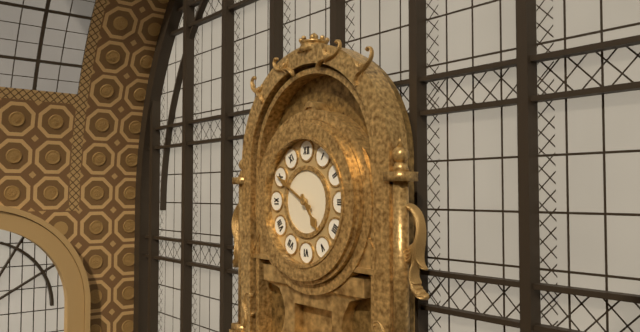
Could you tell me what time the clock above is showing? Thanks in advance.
4:50
